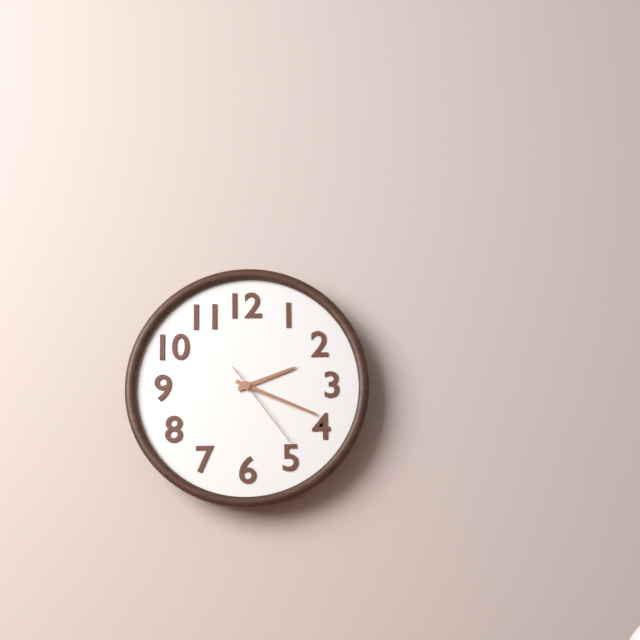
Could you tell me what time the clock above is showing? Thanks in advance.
2:19:24
